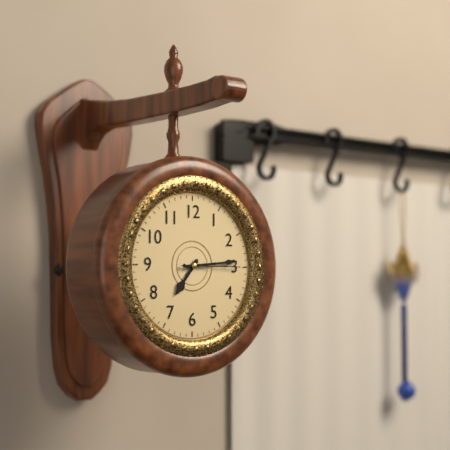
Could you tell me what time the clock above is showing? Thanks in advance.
7:14:15
